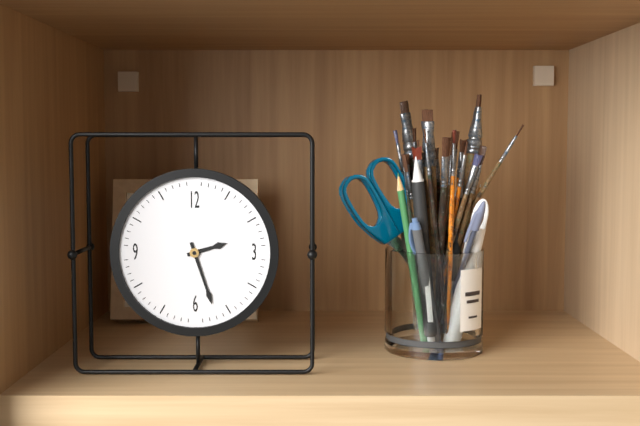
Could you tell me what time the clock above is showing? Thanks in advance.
2:27
